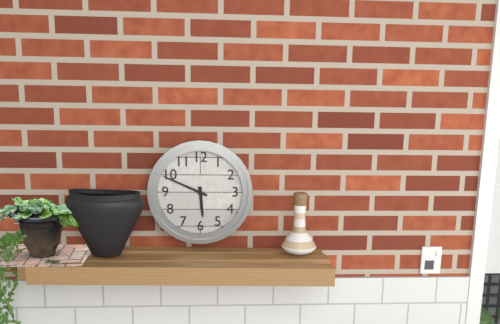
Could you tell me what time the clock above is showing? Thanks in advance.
5:49
